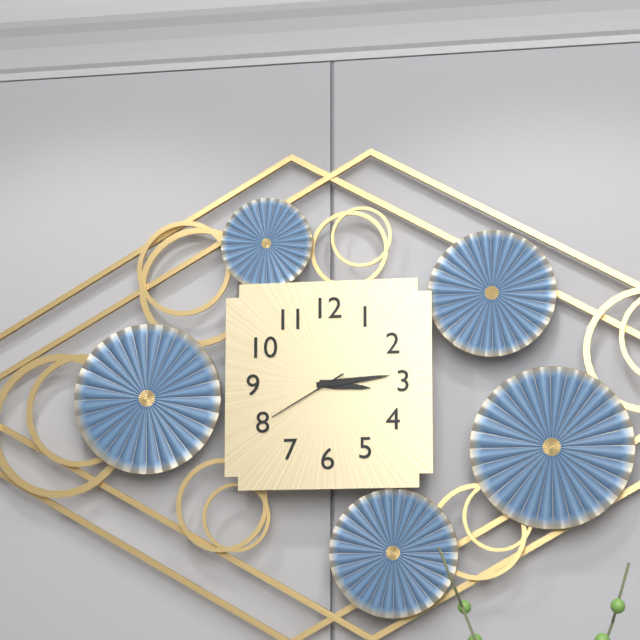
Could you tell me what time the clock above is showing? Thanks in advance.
3:14:40
